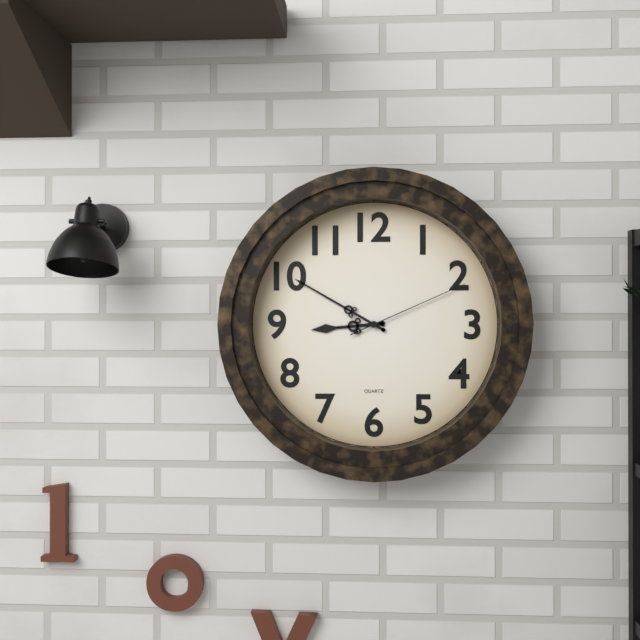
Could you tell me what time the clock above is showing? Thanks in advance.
8:50:11
